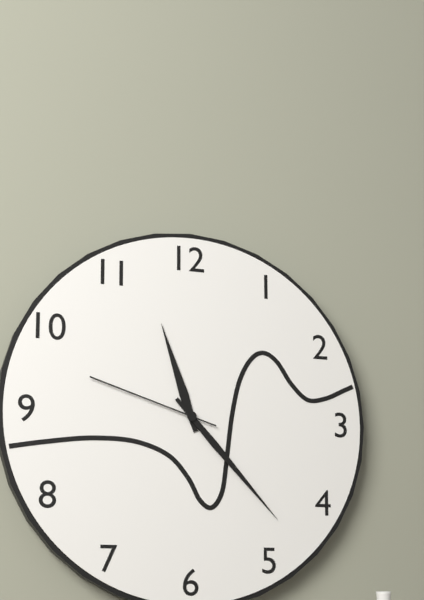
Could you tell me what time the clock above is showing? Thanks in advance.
11:23:48
